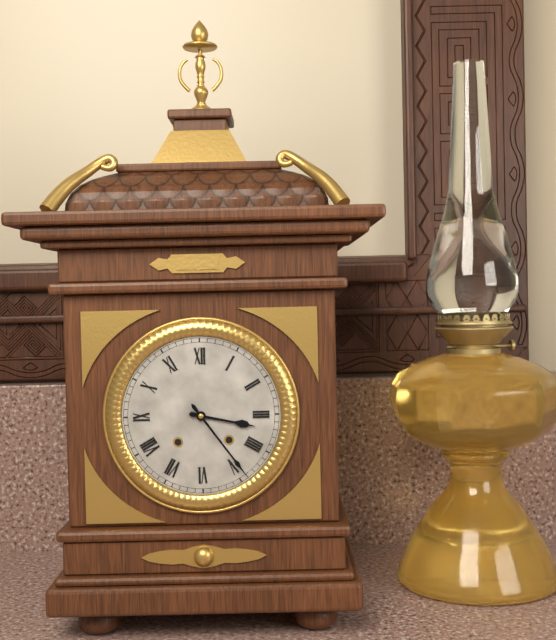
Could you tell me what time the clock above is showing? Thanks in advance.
3:24
